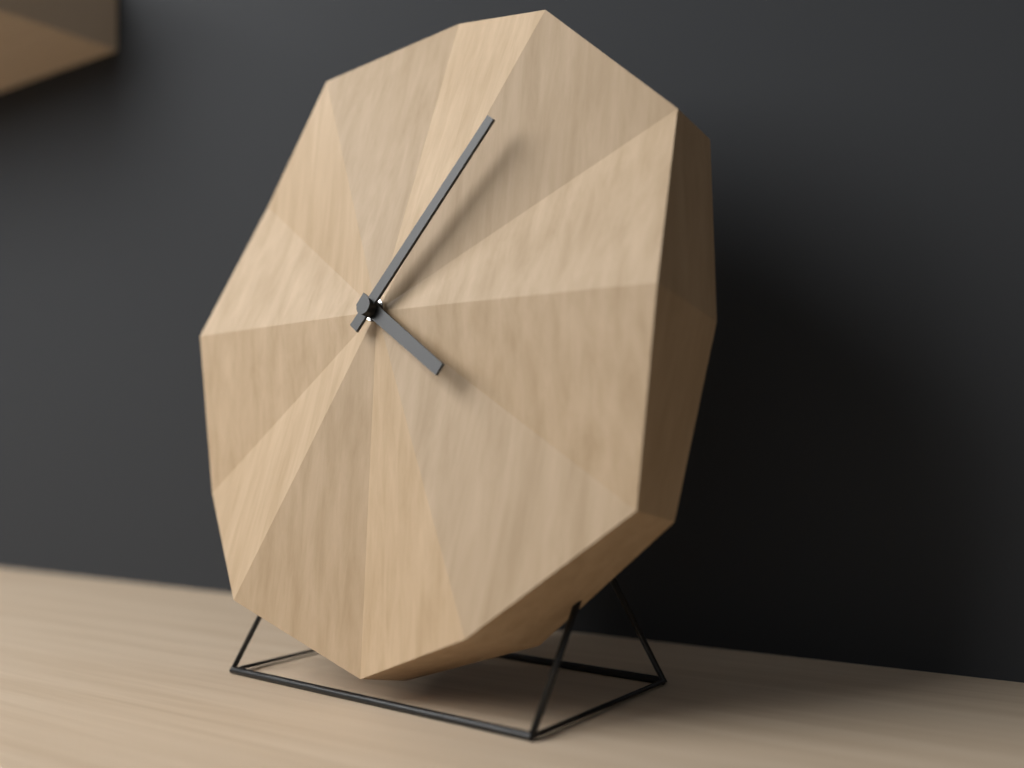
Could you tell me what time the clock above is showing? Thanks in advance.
4:06
